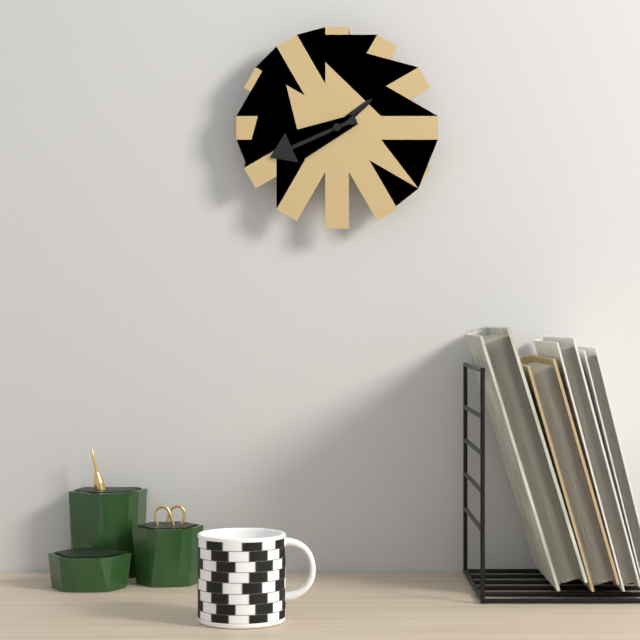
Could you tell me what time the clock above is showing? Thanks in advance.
1:41
